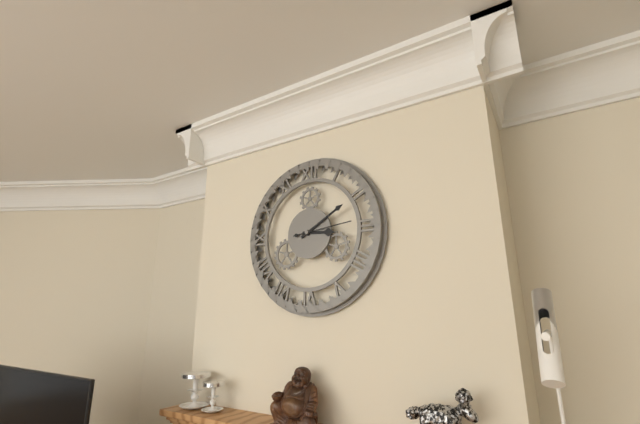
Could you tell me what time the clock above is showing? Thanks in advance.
3:10:14
